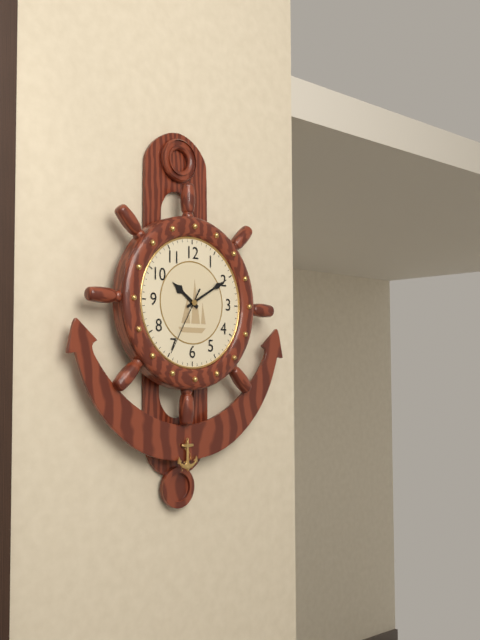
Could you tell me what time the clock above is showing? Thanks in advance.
10:10:35
